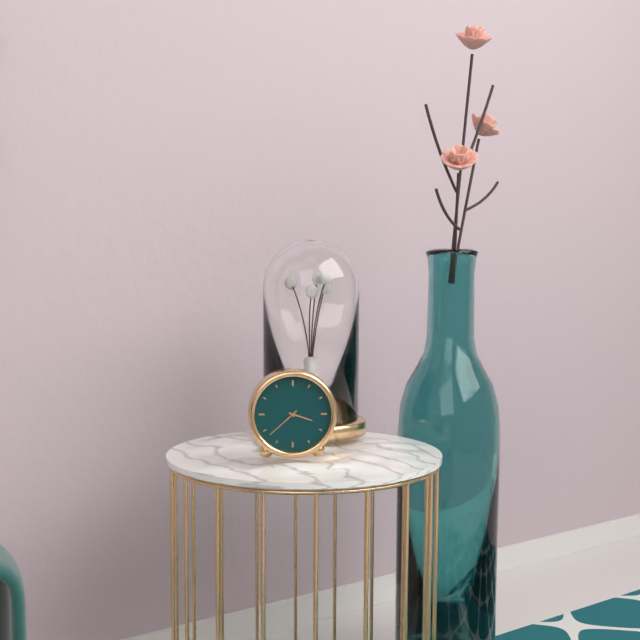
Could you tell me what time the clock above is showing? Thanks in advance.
3:38
